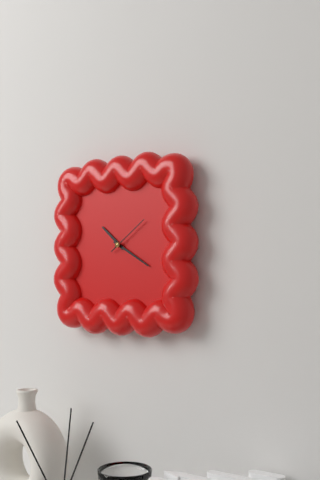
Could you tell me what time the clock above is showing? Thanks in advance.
10:20
